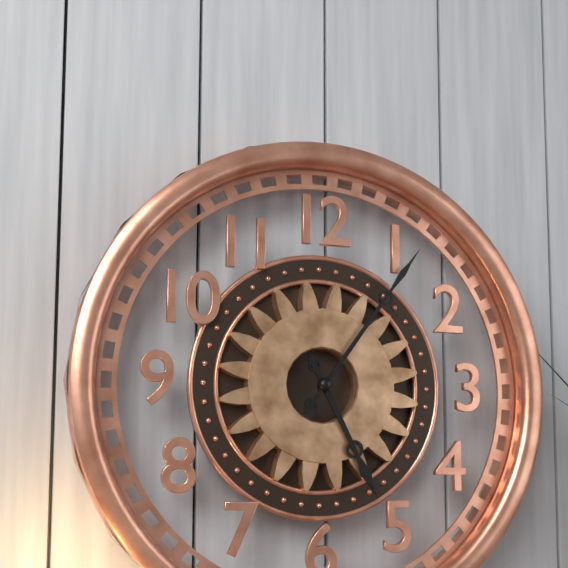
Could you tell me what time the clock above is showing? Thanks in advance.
5:06
